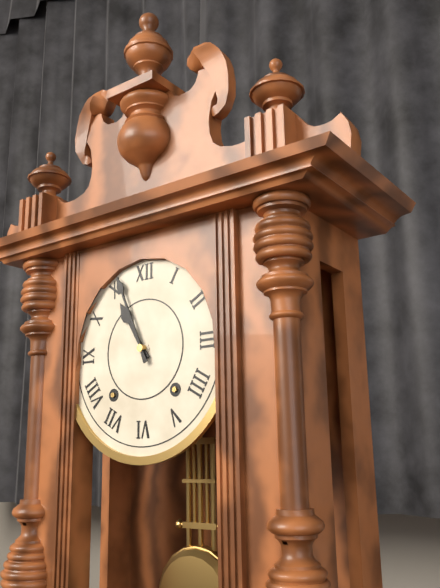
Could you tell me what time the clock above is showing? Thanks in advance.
10:56
